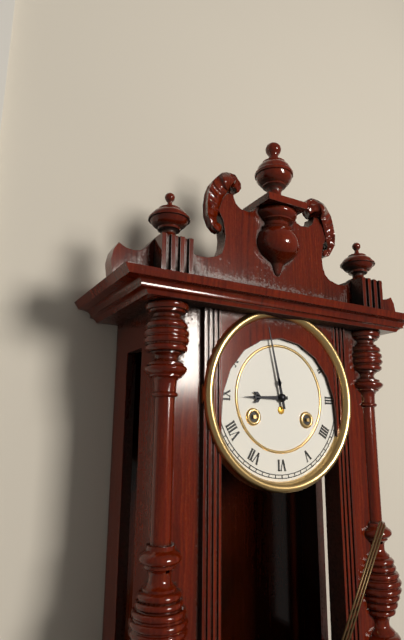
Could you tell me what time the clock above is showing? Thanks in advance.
8:58
